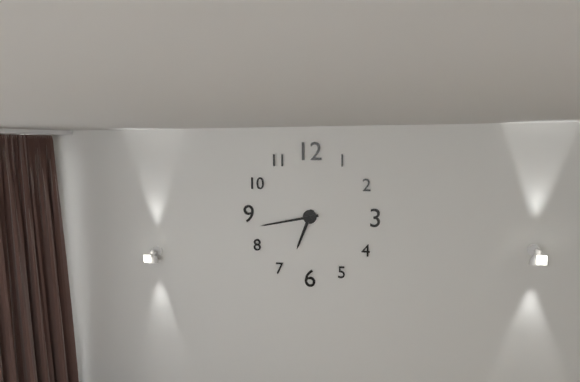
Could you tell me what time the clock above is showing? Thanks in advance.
6:43
